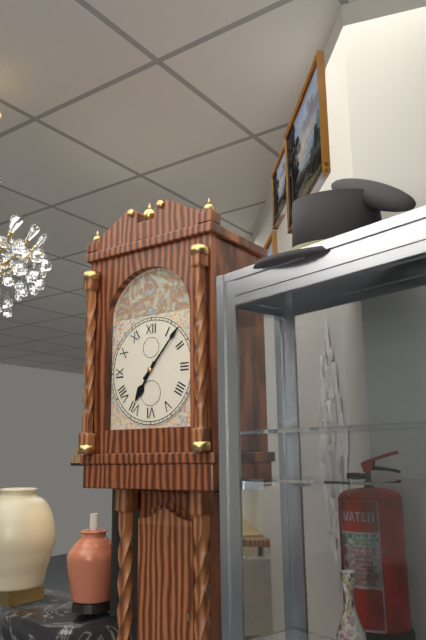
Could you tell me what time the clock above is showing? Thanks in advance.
7:07
